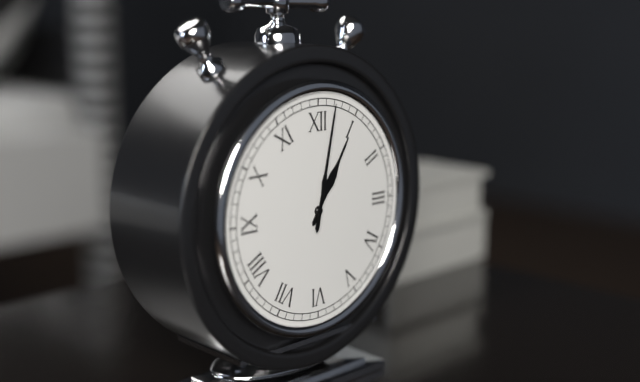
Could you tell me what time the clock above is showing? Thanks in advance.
1:02
